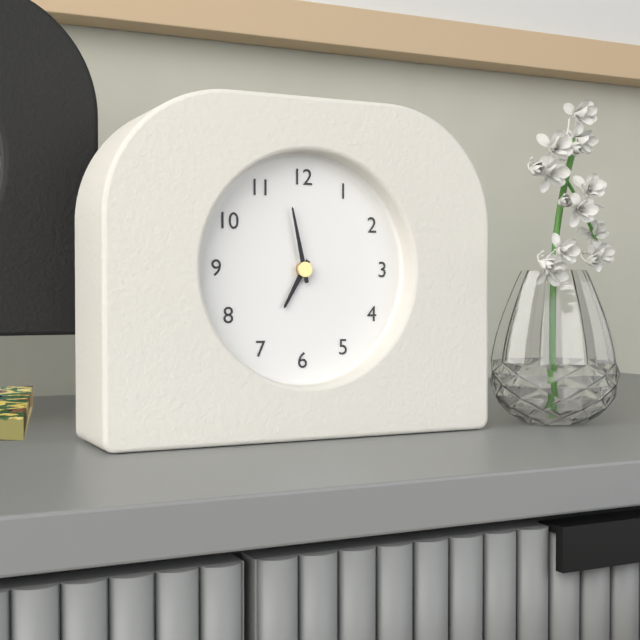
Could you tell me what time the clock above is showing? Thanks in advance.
6:58
